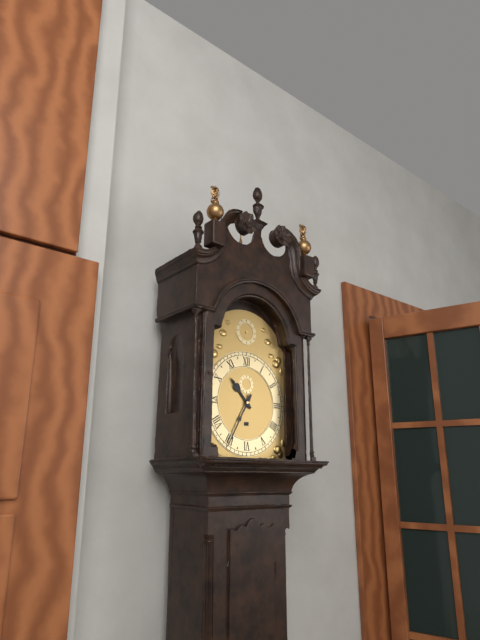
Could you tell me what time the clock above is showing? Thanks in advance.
10:35
